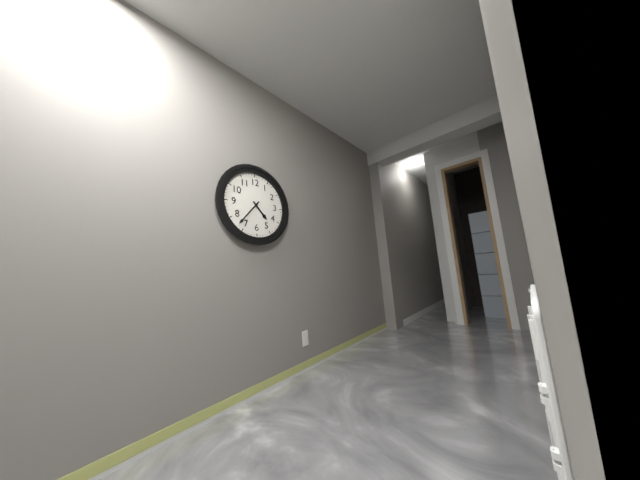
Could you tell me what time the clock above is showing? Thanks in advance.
4:37
